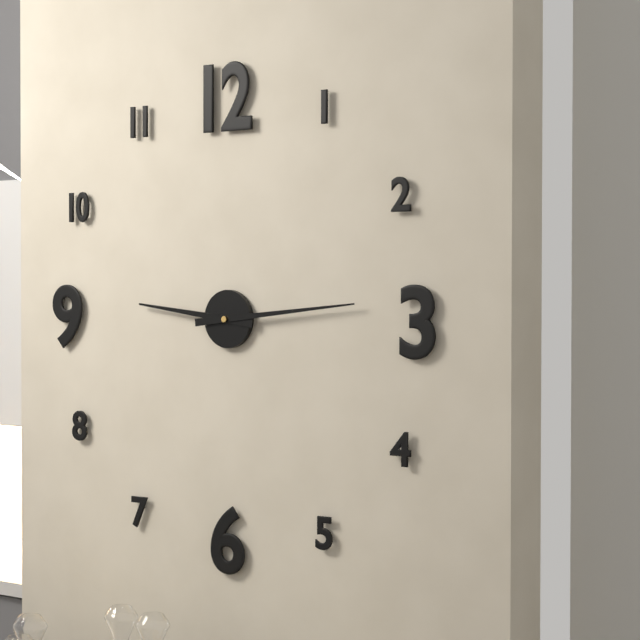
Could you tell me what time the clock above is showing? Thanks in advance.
9:14
